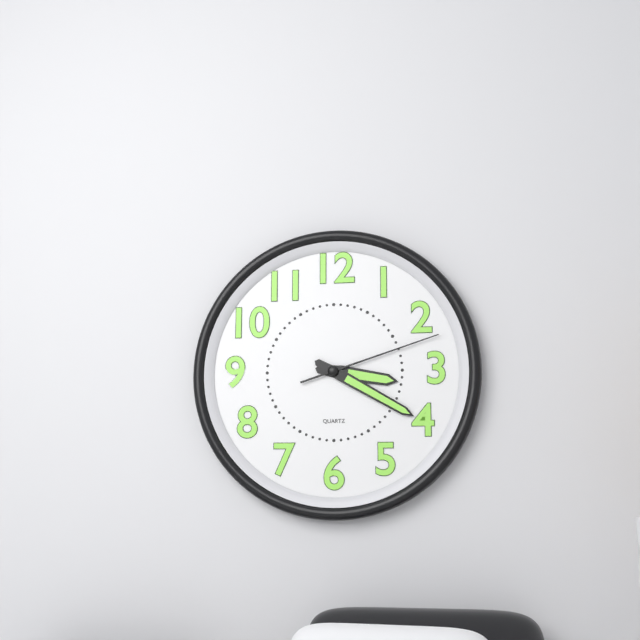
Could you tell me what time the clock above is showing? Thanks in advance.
3:20:12
